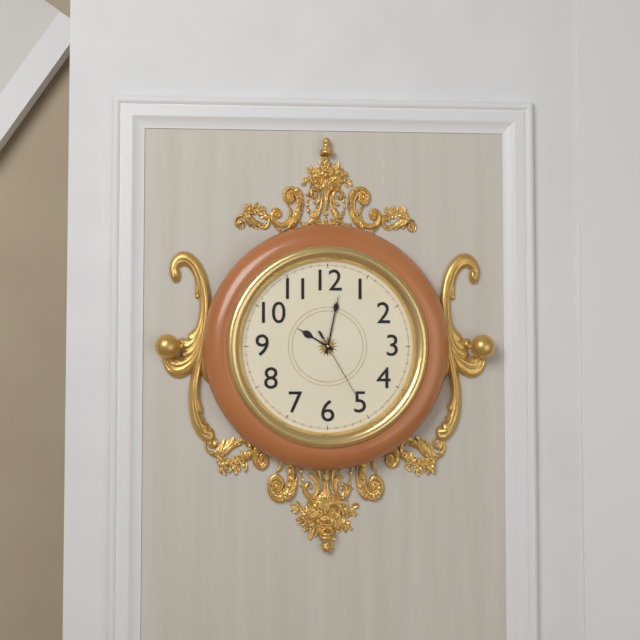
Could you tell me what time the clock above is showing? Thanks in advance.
10:02:25
